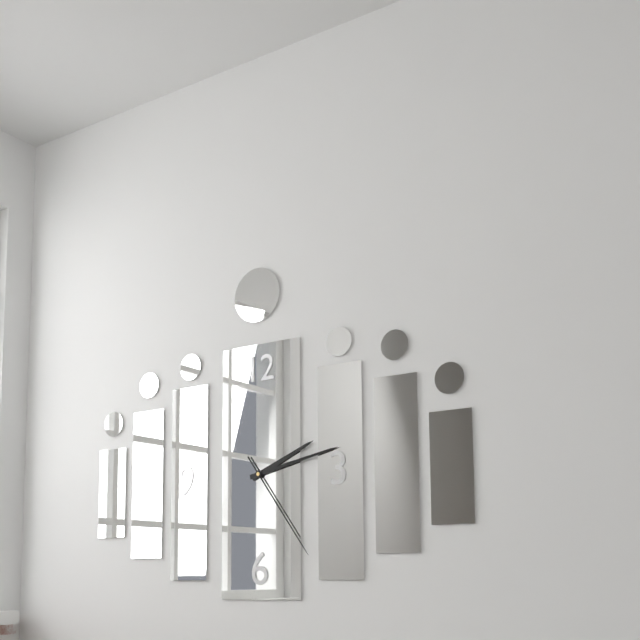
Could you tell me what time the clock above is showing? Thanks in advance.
2:13:24
